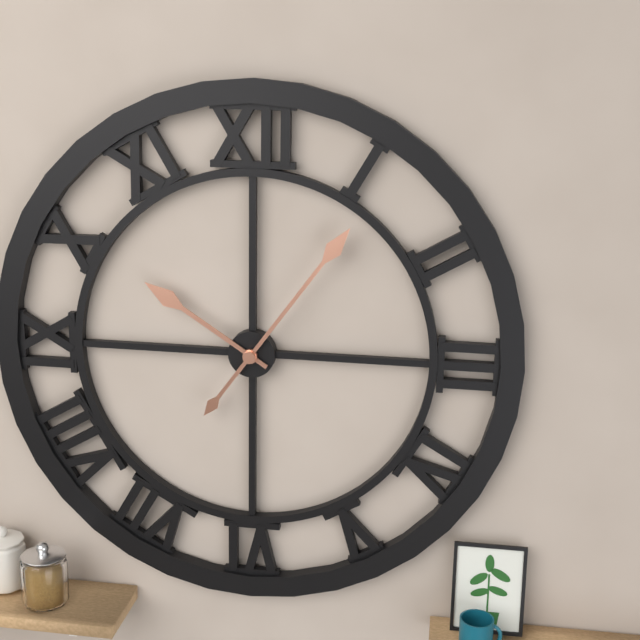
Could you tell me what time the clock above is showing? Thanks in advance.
10:06
